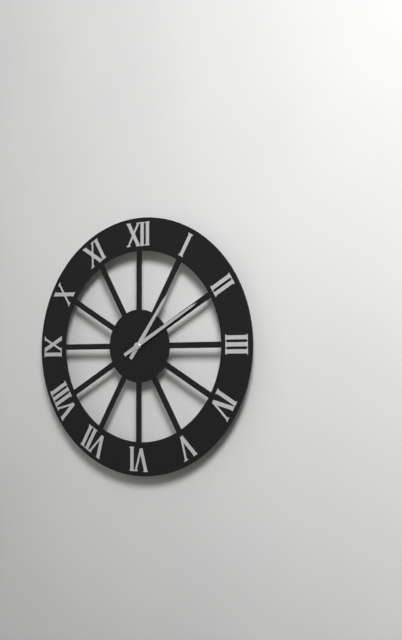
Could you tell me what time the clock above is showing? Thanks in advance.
1:10
